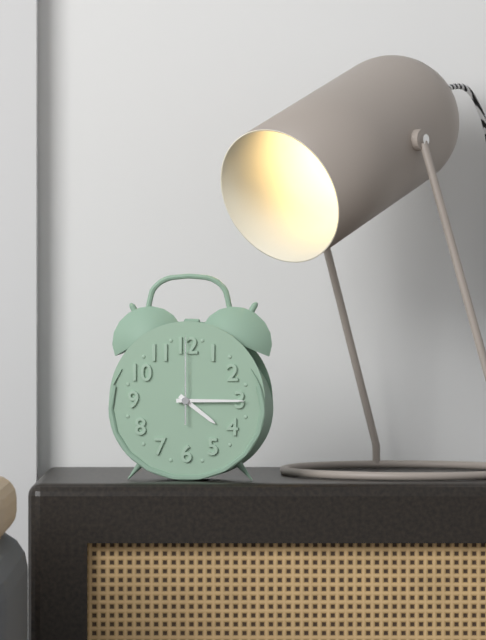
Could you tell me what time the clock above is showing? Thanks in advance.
4:15:00
